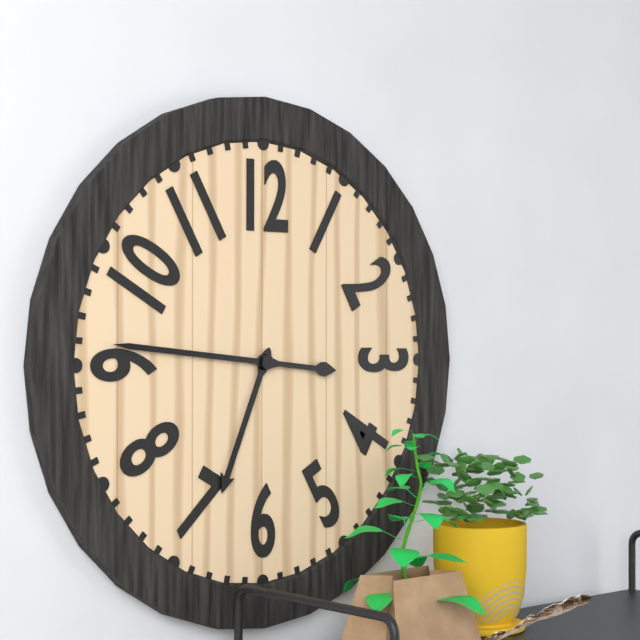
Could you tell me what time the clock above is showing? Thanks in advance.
6:46
